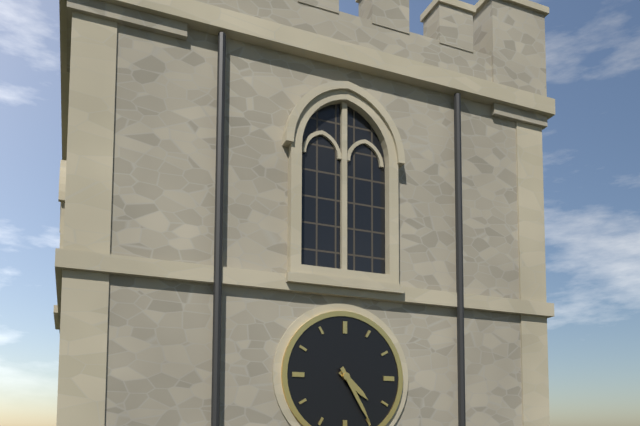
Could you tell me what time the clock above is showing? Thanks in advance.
4:25
